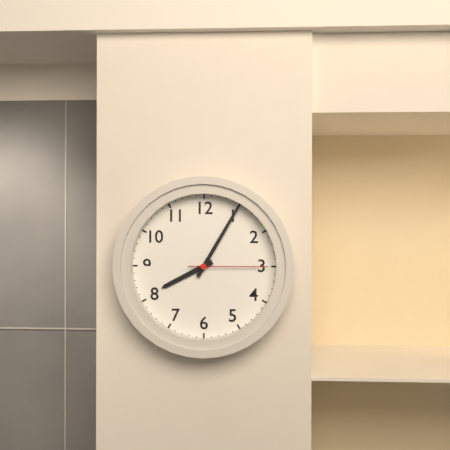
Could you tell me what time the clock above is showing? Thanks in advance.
8:05:15
